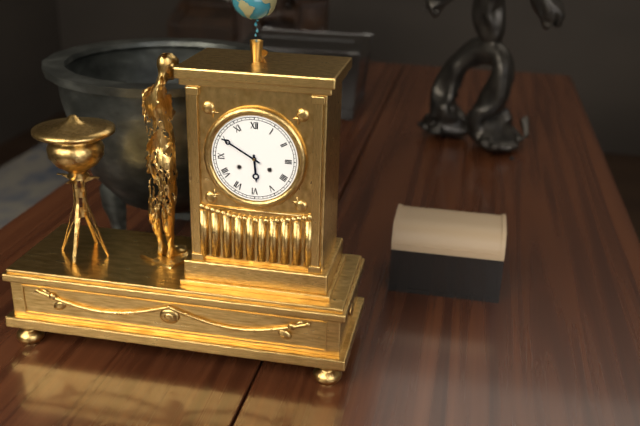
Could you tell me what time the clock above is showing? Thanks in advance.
5:50
